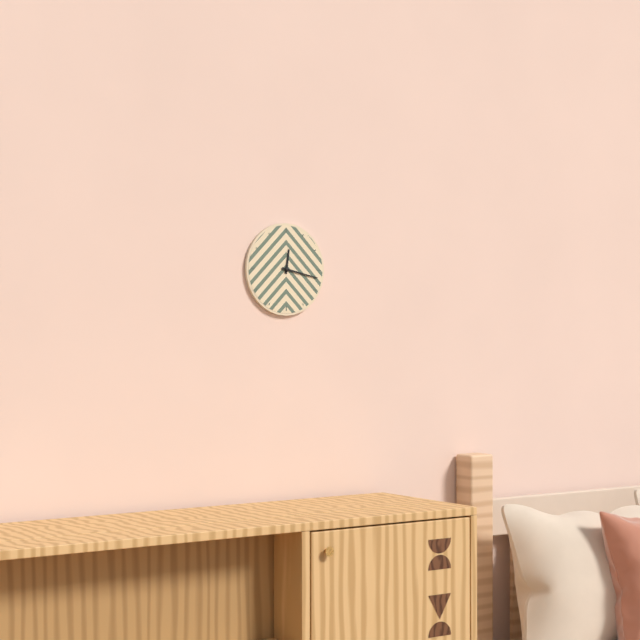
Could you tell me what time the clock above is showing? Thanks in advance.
12:17
